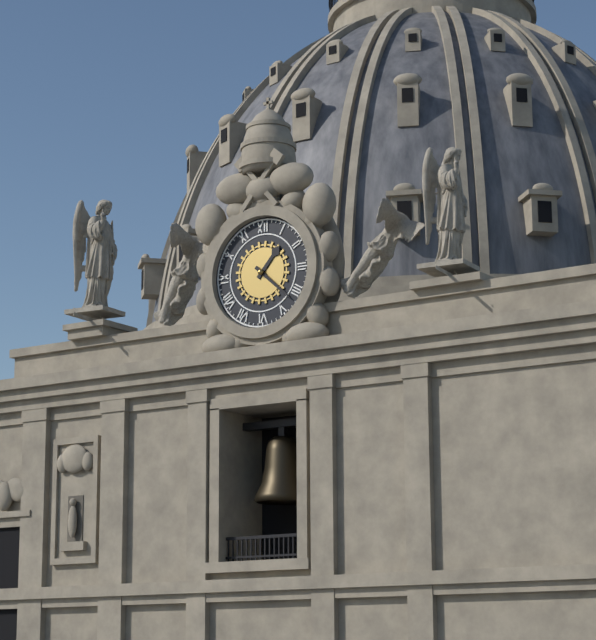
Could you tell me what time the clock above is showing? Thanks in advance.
1:22
